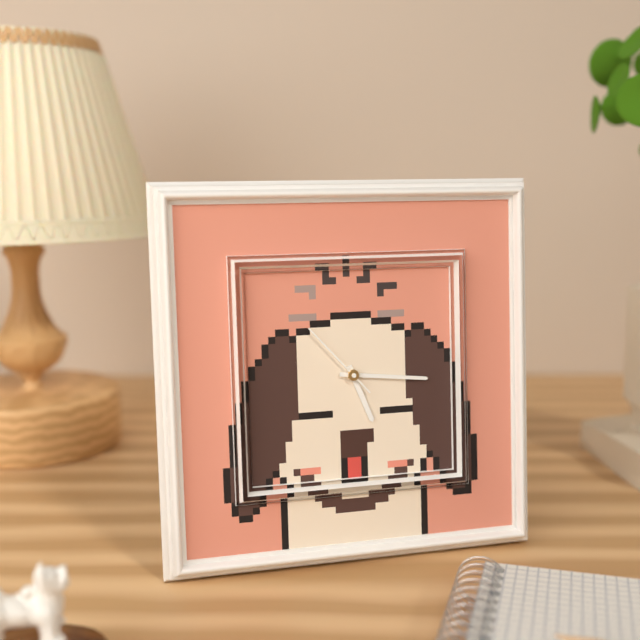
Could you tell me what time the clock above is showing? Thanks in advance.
5:16:53
